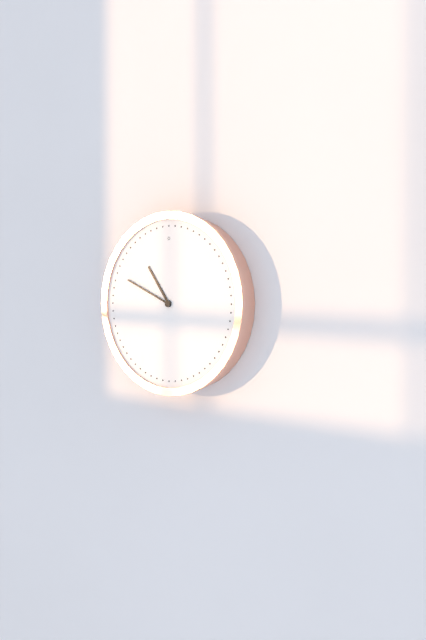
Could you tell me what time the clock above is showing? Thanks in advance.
10:49
